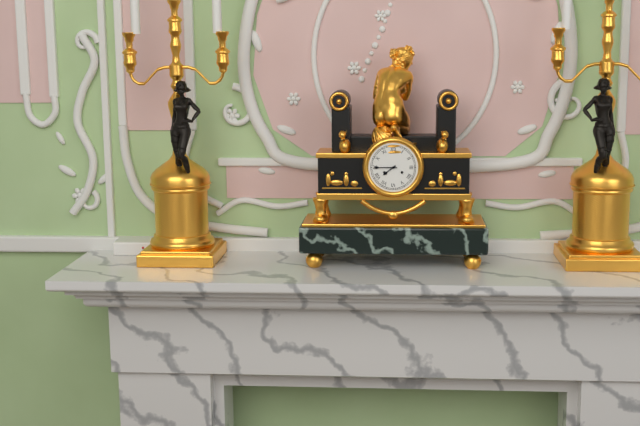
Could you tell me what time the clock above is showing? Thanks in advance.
7:45
